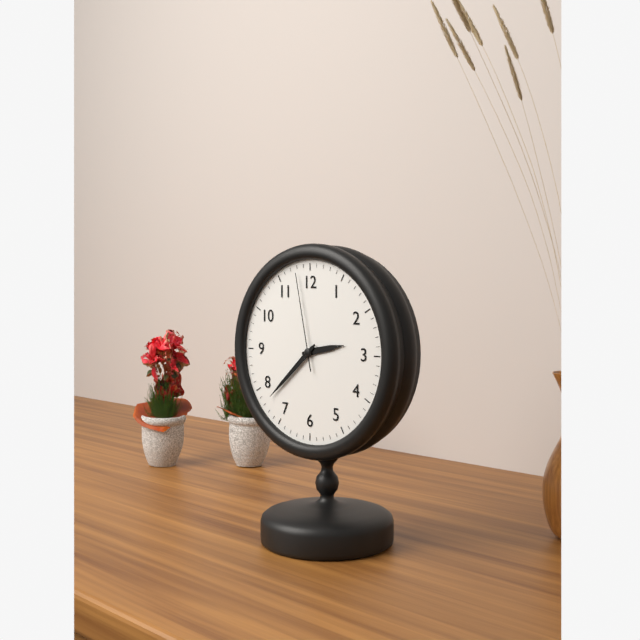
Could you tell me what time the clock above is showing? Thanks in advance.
2:38:58
